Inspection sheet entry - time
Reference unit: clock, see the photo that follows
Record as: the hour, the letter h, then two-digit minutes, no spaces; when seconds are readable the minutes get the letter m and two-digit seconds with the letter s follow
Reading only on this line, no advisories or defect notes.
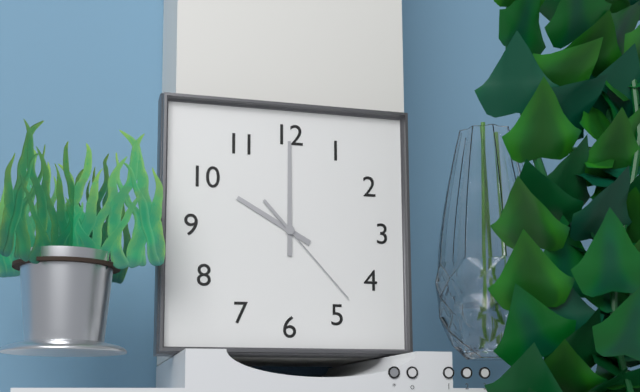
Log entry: 10h00m23s
